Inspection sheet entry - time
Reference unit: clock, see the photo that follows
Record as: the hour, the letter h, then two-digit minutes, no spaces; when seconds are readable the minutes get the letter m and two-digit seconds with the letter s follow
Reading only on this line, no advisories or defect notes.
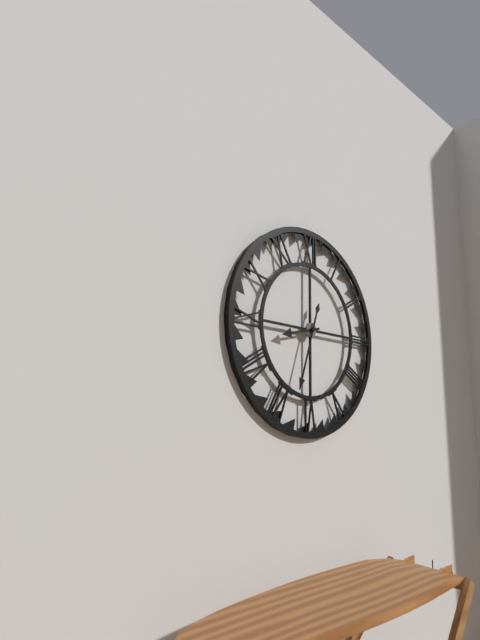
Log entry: 8h33
